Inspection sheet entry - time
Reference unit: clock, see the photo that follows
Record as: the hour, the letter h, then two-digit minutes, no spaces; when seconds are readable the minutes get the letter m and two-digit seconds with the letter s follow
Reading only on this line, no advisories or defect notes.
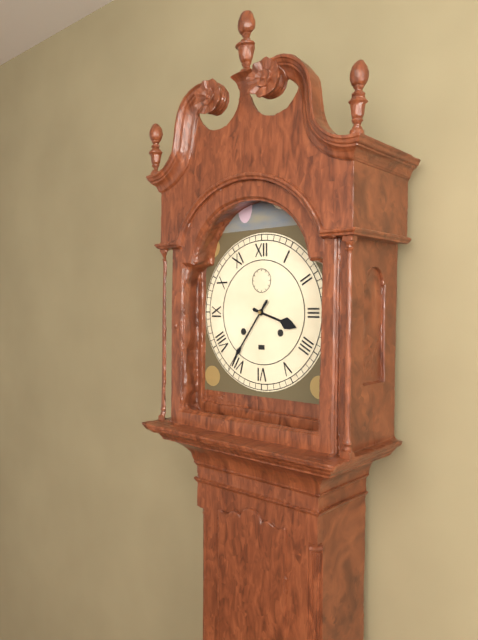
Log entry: 3h36
